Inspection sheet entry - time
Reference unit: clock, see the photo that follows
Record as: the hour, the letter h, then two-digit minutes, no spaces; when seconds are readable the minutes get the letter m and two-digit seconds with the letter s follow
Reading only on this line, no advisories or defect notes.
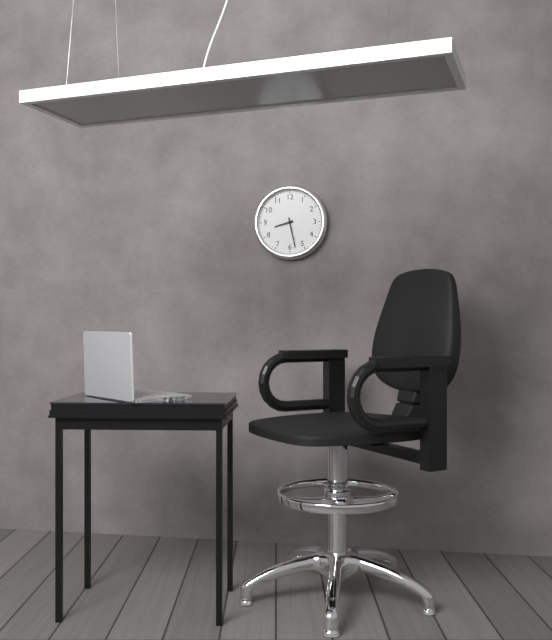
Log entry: 8h28
